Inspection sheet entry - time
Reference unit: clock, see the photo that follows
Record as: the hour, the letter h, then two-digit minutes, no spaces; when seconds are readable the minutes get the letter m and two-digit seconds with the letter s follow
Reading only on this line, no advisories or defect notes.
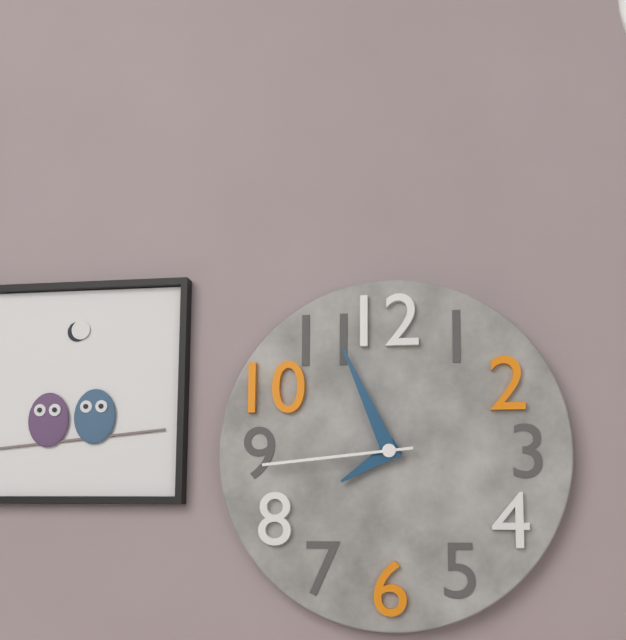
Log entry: 7h56m44s
